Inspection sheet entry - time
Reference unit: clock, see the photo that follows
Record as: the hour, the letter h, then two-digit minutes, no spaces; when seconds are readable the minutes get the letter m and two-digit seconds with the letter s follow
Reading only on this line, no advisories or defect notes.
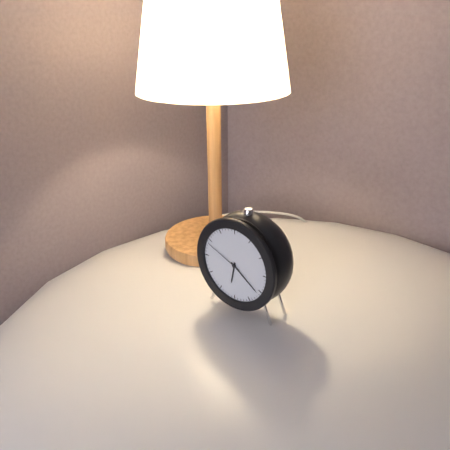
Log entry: 6h21
